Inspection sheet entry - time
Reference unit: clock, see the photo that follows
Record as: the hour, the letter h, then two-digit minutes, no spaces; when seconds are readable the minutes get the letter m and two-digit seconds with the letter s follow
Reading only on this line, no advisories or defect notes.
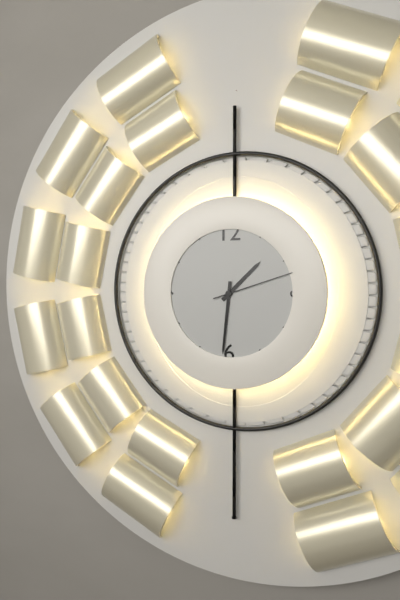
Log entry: 1h31m12s
